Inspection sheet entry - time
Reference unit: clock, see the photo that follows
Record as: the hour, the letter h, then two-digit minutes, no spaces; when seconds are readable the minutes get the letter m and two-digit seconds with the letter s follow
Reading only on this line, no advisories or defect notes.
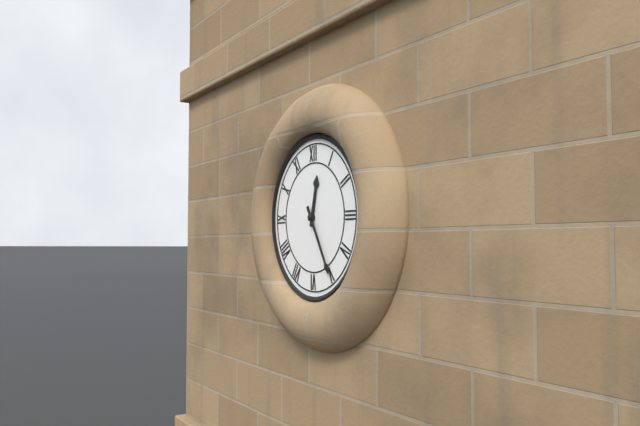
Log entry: 12h25
